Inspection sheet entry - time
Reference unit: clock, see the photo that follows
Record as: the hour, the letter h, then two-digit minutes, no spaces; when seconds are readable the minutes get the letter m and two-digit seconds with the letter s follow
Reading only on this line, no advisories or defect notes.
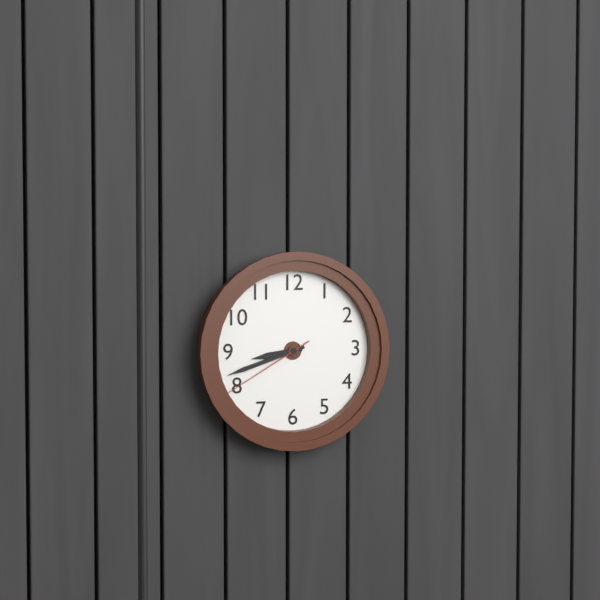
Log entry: 8h42m40s
